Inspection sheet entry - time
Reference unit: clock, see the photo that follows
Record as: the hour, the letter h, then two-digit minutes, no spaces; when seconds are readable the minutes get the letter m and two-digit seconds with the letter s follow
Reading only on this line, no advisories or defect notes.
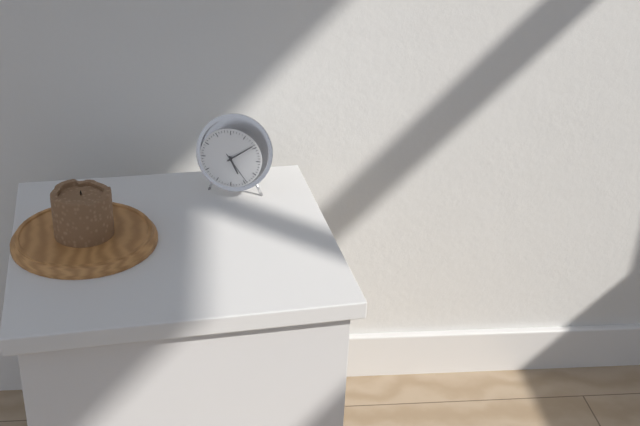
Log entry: 5h09
